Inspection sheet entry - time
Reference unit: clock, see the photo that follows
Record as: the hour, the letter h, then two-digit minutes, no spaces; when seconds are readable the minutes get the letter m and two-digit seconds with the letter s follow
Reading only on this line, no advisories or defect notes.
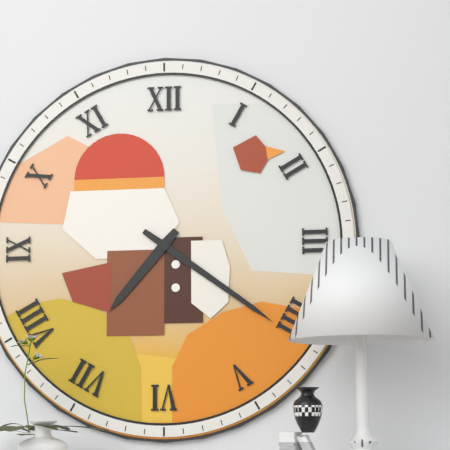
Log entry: 7h21
